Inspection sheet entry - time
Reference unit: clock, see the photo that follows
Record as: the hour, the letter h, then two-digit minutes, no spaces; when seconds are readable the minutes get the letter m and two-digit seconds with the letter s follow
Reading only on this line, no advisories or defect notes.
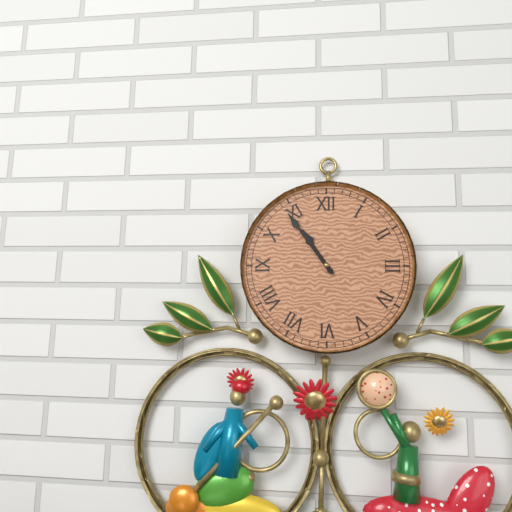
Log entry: 10h54
